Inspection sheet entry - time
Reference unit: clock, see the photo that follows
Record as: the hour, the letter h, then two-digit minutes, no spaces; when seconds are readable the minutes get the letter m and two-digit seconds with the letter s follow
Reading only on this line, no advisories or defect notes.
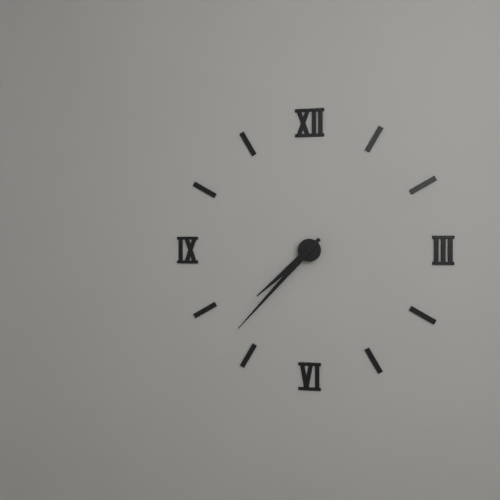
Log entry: 7h37
